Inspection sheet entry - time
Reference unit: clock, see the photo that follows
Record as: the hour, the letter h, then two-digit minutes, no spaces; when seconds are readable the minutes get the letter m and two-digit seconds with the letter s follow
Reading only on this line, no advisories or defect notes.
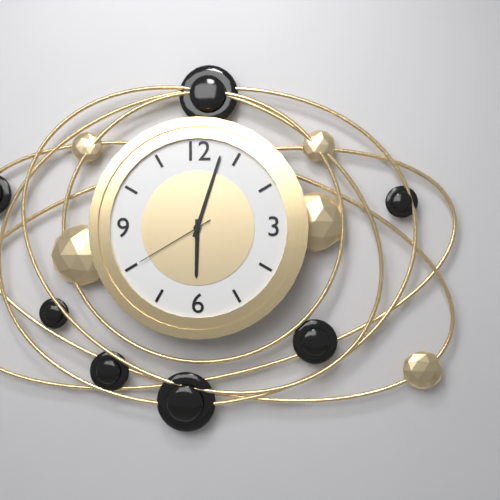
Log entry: 6h03m40s
